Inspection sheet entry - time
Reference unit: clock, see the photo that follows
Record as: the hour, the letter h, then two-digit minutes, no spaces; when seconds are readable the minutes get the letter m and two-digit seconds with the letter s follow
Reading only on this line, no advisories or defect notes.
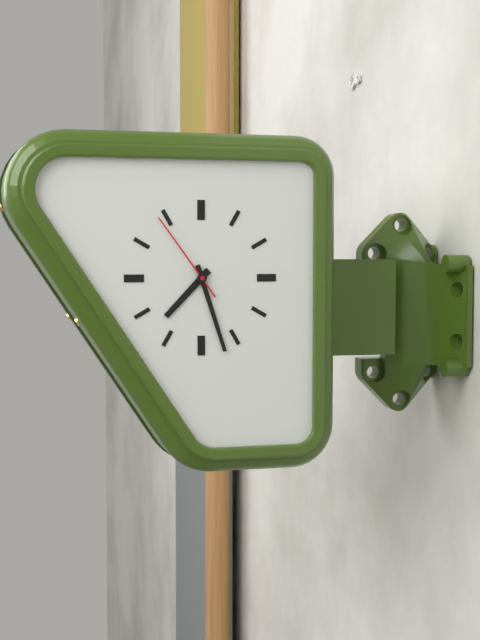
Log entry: 7h27m54s
